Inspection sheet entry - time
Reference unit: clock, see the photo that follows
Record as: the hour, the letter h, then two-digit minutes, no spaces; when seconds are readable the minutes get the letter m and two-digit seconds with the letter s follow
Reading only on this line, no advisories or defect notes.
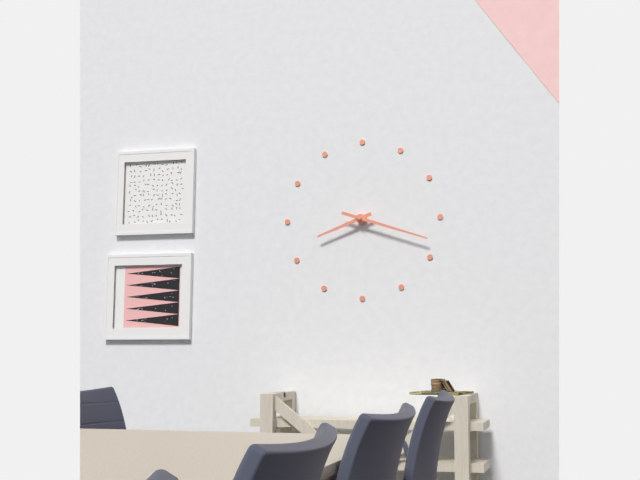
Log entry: 8h18
